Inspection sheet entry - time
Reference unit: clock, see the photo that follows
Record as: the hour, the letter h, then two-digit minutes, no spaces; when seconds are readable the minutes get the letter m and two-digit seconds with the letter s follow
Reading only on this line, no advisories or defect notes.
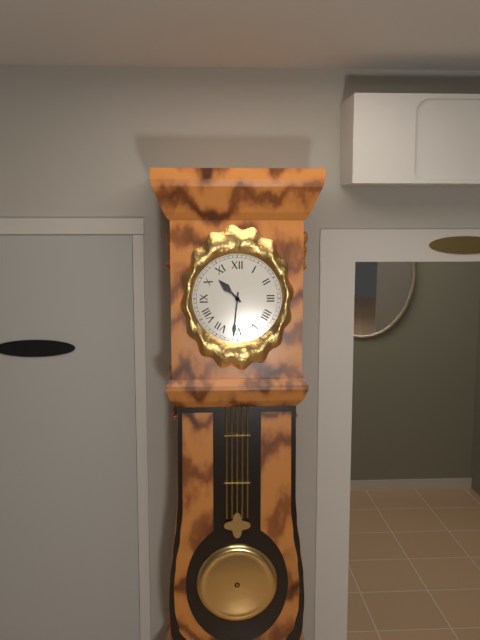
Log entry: 10h31
